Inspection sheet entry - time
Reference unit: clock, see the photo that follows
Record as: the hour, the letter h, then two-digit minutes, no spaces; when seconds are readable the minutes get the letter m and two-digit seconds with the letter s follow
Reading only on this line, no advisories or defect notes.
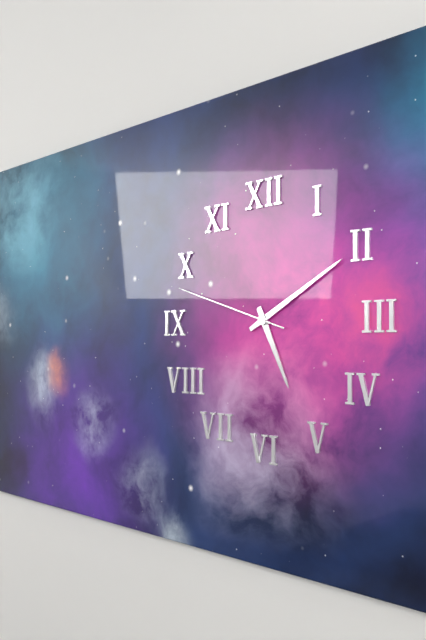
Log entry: 5h10m48s
